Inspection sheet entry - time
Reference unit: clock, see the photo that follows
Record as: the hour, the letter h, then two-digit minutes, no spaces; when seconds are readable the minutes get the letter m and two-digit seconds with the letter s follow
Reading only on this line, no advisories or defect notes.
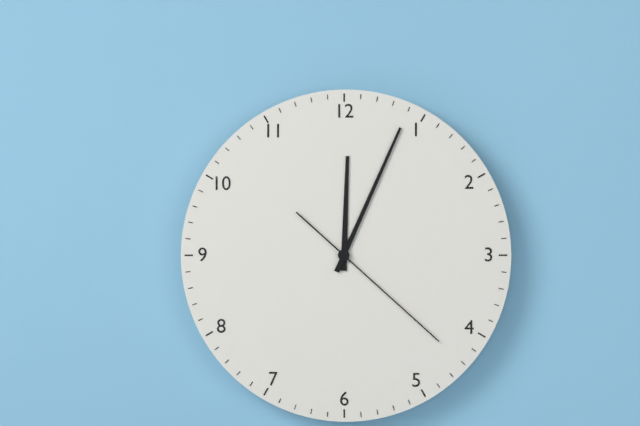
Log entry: 12h04m22s
